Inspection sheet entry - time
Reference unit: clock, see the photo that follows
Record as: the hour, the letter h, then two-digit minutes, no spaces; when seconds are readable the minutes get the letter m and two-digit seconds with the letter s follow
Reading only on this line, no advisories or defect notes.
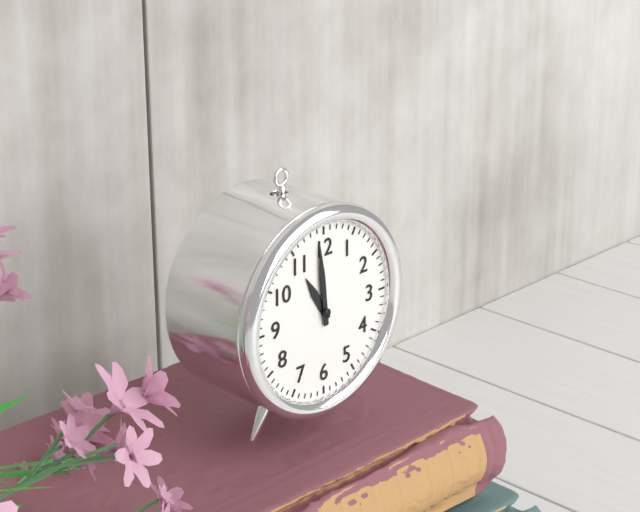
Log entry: 10h59
